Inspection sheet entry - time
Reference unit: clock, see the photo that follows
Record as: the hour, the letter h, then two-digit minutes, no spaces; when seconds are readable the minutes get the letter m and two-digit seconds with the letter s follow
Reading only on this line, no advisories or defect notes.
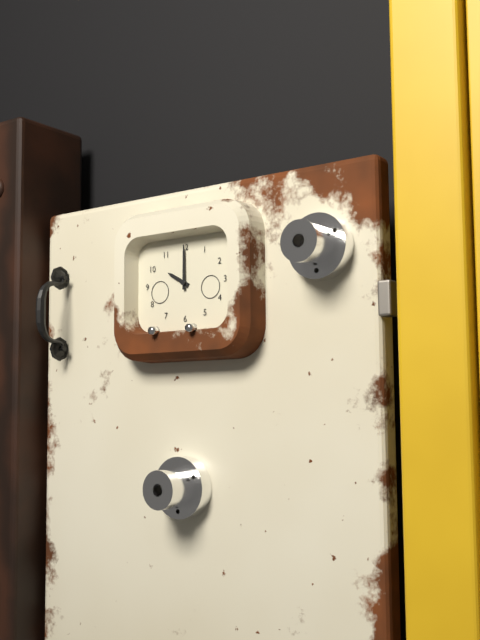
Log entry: 10h00
